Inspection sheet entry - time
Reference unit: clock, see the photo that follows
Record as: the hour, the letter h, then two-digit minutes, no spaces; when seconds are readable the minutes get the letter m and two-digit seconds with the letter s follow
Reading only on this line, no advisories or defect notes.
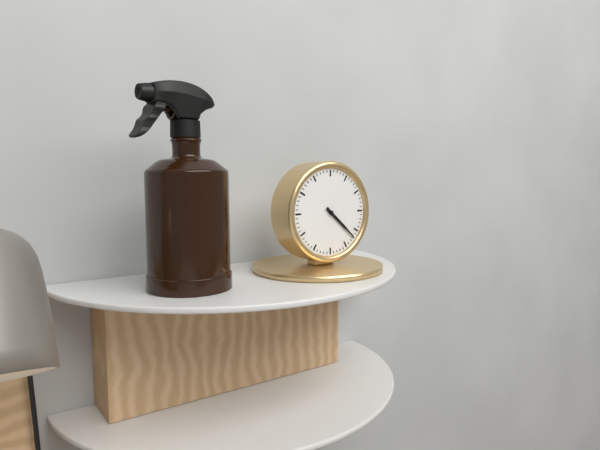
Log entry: 4h22
